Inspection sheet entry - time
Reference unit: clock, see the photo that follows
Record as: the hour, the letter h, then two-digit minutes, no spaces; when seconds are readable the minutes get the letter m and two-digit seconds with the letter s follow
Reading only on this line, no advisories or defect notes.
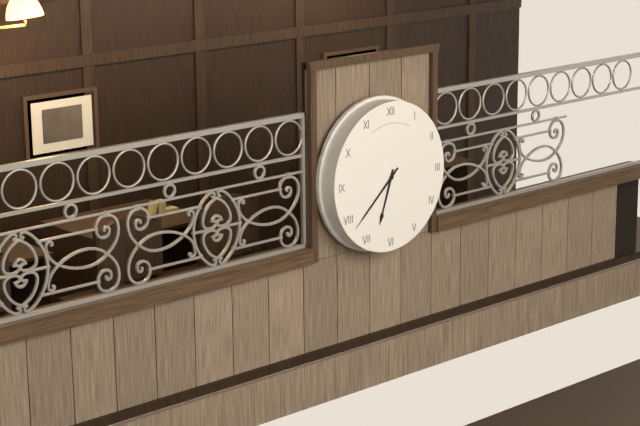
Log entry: 6h38
